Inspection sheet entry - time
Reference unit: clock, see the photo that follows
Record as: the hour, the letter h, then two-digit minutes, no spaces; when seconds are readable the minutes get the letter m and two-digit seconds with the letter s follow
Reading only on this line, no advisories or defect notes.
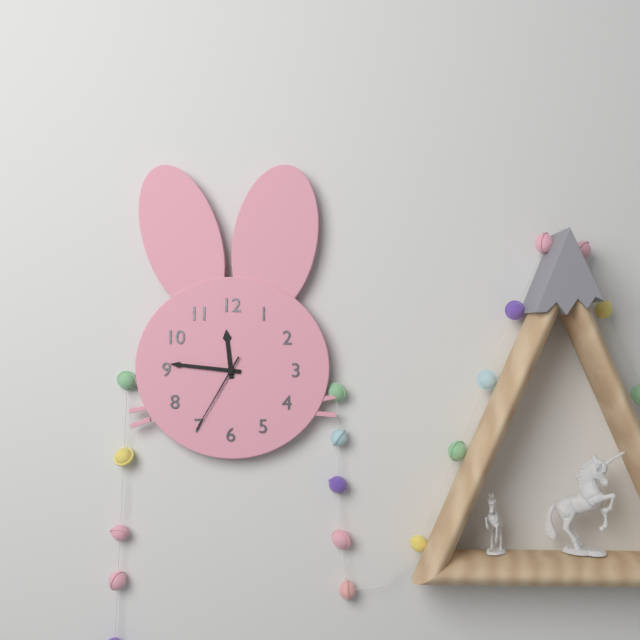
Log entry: 11h46m35s
